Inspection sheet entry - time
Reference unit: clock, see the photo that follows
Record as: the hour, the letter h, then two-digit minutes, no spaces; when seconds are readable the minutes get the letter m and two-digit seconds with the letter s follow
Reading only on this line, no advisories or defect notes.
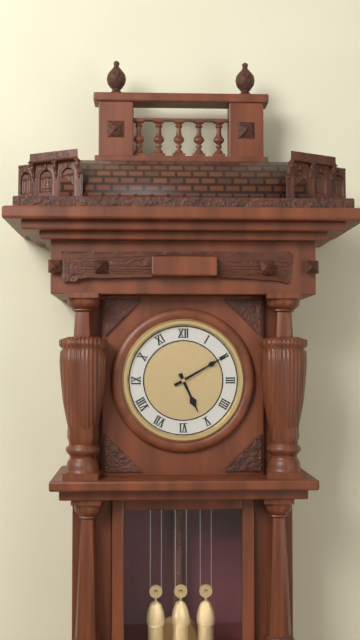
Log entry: 5h10
